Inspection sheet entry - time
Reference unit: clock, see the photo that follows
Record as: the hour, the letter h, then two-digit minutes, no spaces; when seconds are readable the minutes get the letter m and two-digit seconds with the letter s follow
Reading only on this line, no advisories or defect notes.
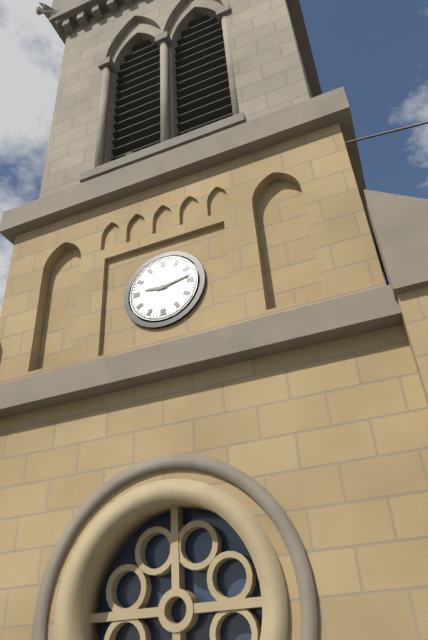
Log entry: 9h13
